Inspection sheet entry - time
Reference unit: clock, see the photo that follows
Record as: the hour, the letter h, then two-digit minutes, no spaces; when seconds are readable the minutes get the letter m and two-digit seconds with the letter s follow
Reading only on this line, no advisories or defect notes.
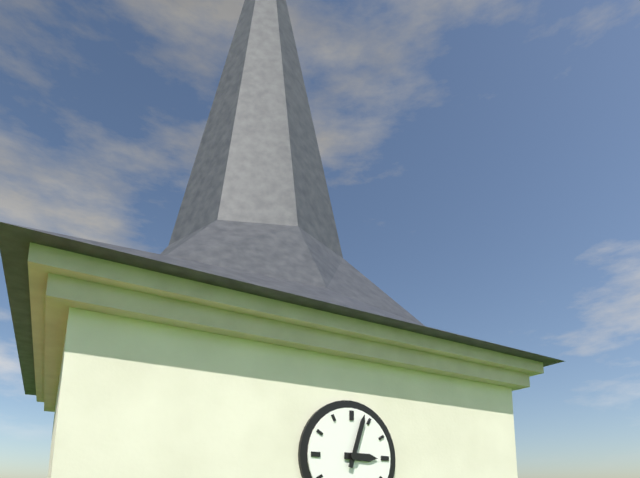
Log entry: 3h03
